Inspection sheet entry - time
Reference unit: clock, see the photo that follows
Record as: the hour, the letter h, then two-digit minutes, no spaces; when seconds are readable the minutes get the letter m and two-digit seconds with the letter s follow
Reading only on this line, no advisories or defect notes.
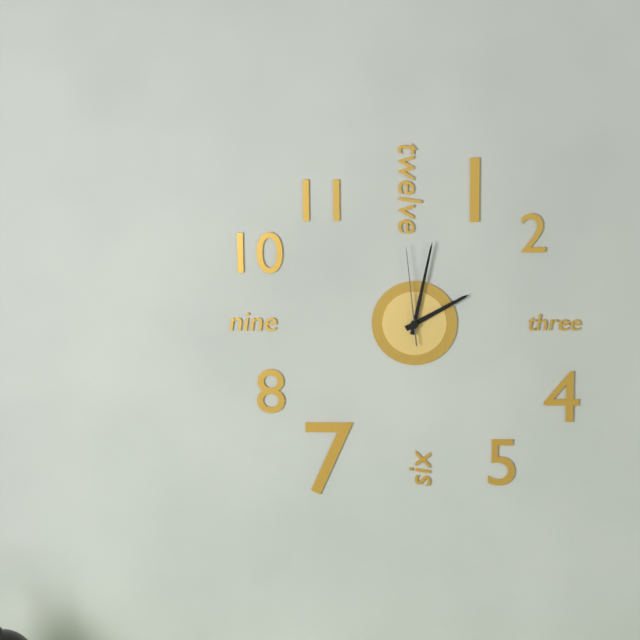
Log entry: 2h02m59s
